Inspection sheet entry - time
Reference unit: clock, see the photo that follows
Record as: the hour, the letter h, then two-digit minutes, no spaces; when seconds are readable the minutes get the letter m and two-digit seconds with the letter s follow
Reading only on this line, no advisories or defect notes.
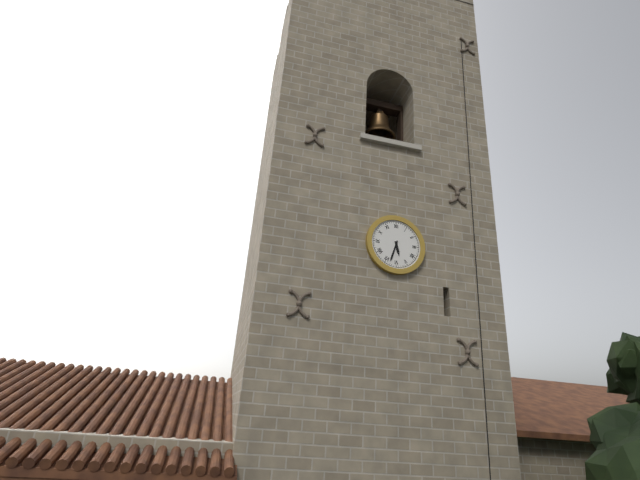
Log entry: 5h33
